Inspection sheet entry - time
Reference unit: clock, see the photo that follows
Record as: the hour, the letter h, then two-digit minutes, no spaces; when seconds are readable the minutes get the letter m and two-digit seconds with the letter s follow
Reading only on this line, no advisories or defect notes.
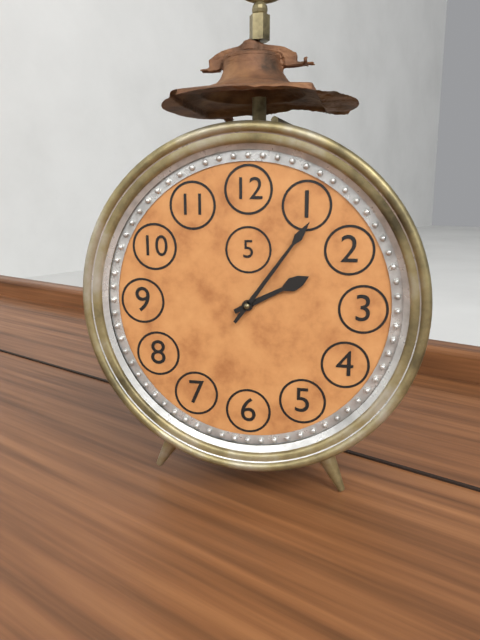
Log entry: 2h06
